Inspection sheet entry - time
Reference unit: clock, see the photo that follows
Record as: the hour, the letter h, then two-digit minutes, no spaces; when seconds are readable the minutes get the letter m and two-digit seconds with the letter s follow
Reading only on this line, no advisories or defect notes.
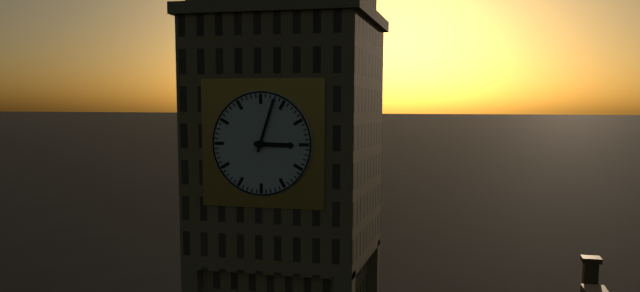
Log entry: 3h03
